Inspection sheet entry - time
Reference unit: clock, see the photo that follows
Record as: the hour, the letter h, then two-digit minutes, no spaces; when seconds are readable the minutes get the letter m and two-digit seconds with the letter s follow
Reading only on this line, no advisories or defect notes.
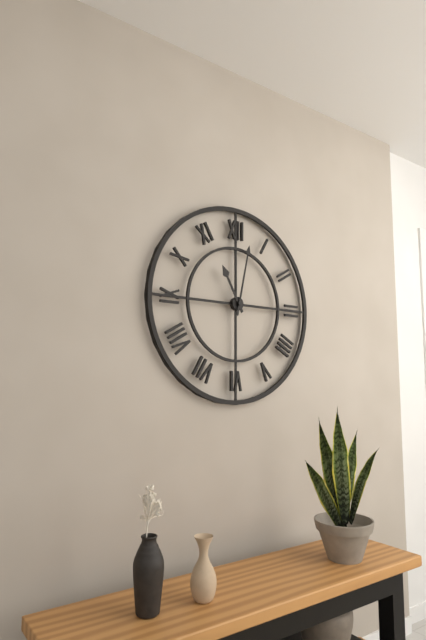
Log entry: 11h02
